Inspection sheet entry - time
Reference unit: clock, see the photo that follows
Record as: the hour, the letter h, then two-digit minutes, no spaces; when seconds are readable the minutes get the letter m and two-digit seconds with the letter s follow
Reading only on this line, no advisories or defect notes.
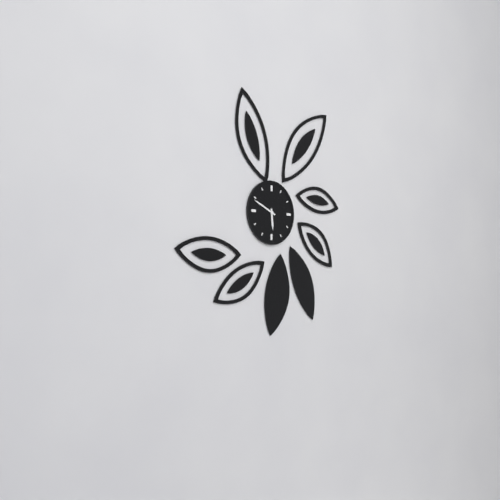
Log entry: 5h49
